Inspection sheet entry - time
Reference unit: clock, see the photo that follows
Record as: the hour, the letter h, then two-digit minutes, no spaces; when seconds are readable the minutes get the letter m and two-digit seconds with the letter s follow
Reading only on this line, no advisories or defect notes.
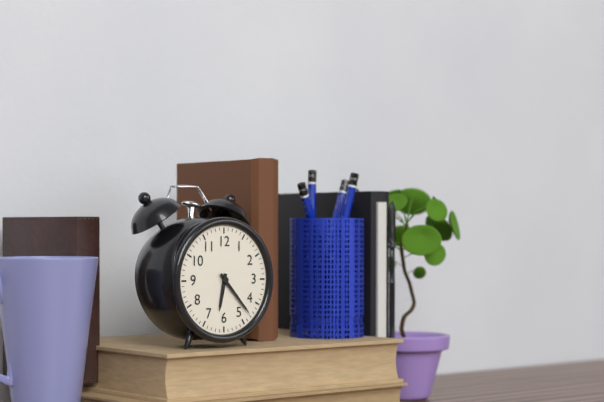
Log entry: 6h23
